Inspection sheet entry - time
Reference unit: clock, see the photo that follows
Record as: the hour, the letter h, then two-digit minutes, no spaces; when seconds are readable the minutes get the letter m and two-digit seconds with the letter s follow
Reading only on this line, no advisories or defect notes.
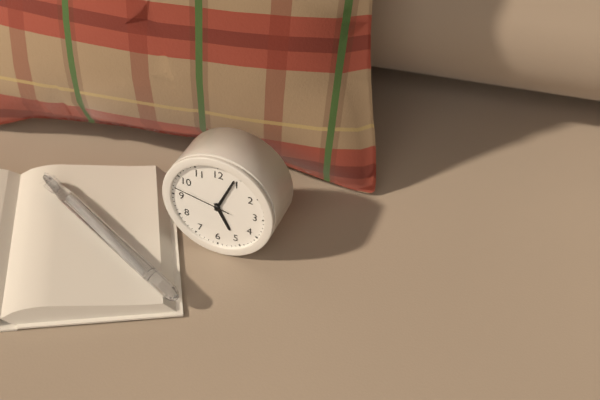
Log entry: 5h04m47s
